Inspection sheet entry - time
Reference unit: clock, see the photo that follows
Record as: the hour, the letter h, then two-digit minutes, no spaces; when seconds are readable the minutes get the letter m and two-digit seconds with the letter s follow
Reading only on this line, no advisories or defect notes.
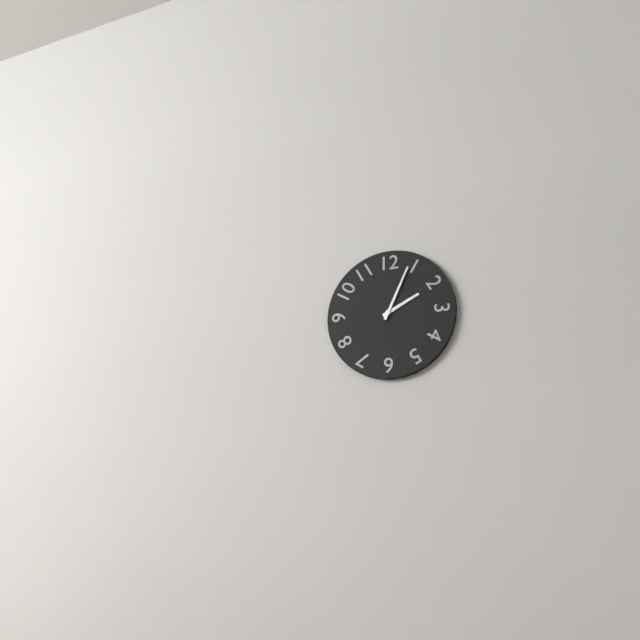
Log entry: 2h04
